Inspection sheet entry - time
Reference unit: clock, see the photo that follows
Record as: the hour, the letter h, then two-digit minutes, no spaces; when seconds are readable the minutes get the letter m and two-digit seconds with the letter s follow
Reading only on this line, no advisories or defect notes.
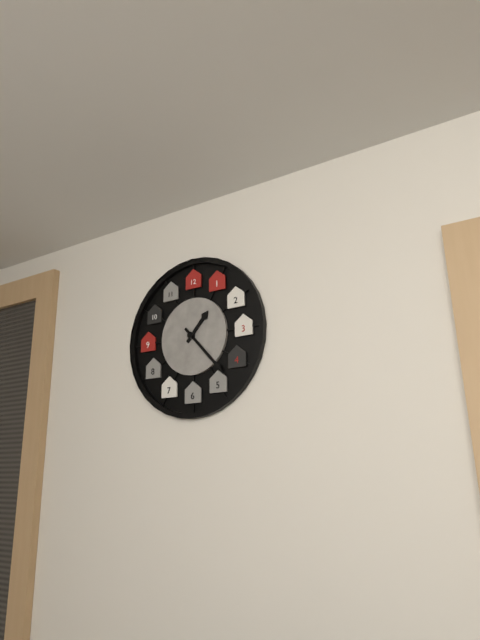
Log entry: 1h23
